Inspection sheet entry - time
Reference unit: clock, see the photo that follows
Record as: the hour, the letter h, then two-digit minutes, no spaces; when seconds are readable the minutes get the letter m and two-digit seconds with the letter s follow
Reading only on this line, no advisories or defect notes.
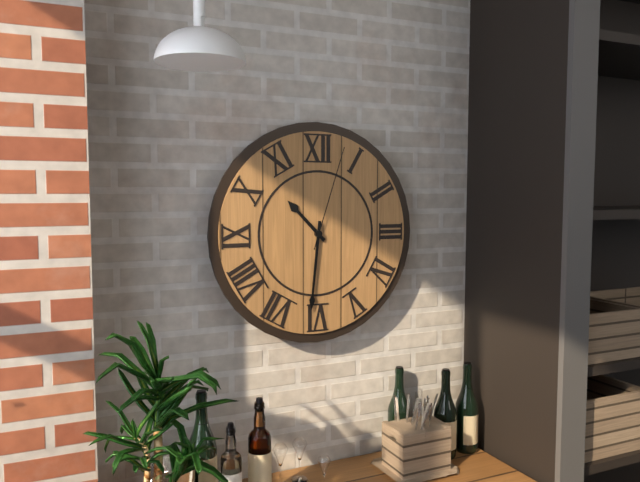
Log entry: 10h31m03s
